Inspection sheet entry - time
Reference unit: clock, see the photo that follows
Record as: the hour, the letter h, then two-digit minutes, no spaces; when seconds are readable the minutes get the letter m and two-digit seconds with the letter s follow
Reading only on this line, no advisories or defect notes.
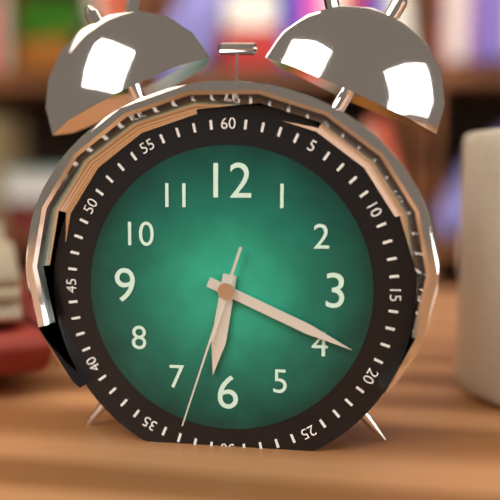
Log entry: 6h19m33s
